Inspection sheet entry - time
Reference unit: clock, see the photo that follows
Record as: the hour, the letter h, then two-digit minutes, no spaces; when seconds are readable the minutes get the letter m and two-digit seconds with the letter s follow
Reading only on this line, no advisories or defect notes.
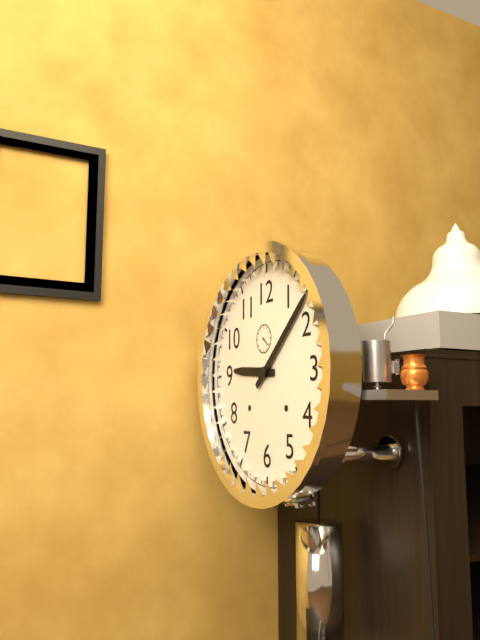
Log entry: 9h08
